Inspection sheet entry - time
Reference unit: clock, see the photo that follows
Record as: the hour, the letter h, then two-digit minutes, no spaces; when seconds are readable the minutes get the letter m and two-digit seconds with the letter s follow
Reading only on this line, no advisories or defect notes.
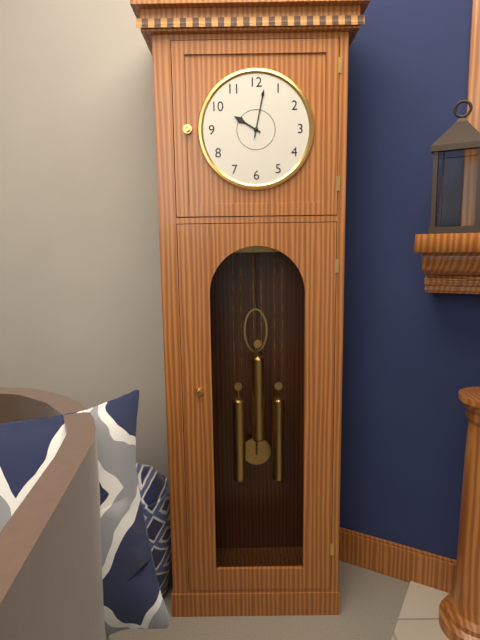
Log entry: 10h02
